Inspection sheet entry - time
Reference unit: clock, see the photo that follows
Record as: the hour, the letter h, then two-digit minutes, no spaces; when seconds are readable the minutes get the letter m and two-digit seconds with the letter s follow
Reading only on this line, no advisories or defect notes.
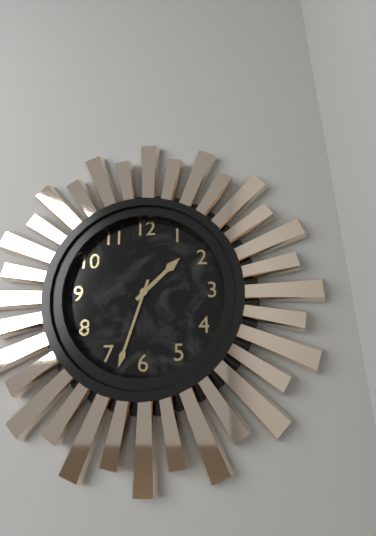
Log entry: 1h33
